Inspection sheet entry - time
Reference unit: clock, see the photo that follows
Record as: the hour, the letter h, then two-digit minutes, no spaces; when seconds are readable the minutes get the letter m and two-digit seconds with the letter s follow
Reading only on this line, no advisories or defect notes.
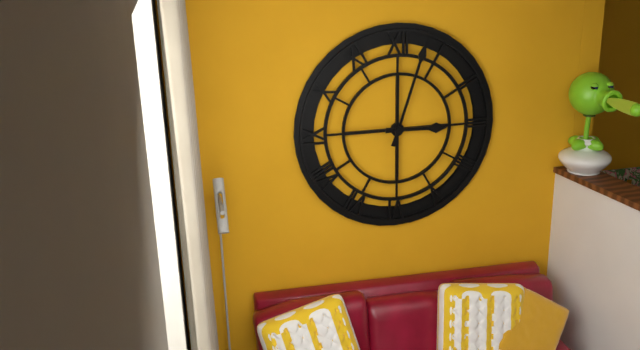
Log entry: 3h03
